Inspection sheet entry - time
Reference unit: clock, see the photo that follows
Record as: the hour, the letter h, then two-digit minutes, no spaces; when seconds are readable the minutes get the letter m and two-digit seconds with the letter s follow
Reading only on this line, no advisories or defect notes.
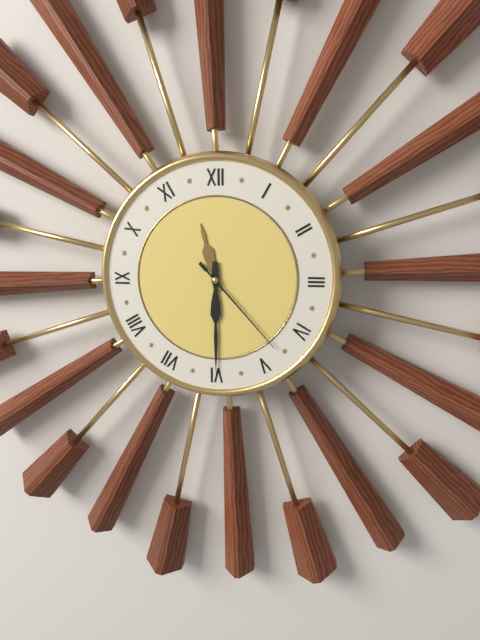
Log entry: 11h30m23s
